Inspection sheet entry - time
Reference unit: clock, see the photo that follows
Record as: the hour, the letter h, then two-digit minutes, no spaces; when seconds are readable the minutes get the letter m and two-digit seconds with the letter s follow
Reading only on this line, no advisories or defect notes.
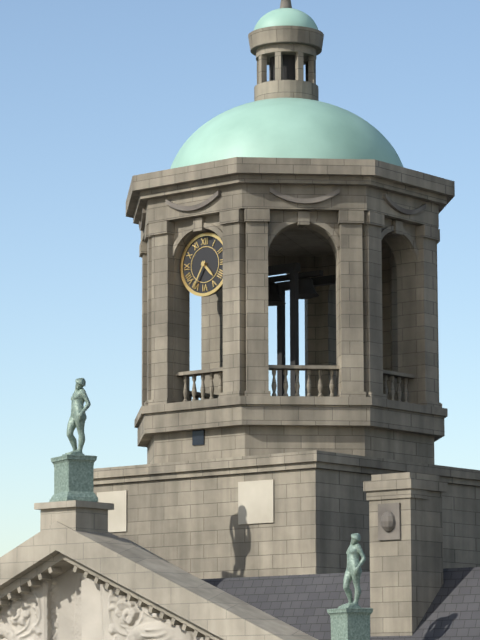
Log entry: 4h35
